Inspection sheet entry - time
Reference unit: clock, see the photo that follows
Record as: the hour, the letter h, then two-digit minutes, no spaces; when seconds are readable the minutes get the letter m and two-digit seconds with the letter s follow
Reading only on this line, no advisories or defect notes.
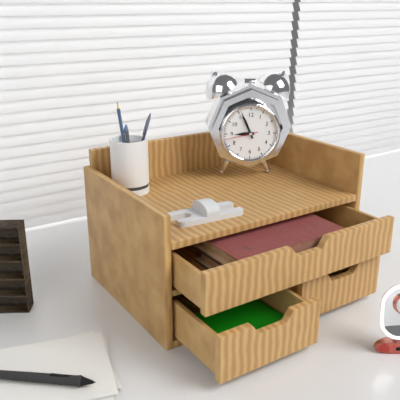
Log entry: 8h56
